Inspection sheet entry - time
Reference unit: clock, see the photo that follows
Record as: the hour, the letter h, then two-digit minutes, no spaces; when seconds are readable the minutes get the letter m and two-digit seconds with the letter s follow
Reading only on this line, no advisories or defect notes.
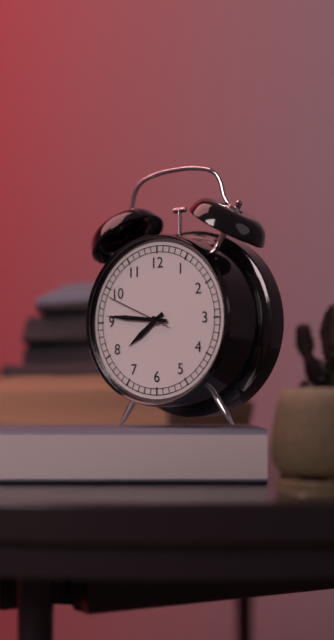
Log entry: 7h46m49s
